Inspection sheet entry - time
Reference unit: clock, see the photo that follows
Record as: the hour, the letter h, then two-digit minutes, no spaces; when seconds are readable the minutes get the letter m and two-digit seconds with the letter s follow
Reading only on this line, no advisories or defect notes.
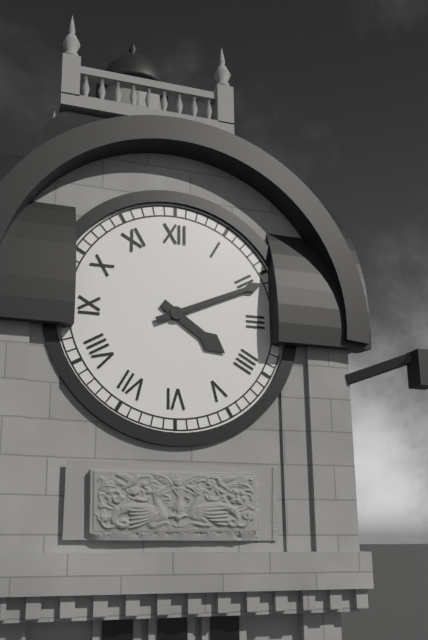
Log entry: 4h11
